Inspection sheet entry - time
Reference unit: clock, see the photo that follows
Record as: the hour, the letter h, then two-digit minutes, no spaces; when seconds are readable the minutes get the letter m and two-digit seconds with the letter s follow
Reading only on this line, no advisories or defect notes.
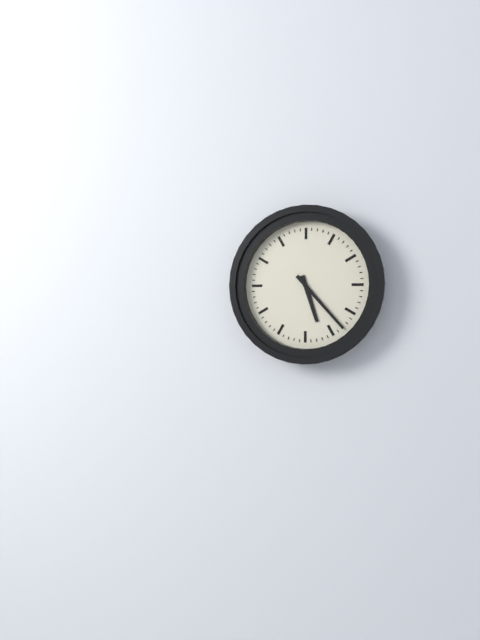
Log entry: 5h23
